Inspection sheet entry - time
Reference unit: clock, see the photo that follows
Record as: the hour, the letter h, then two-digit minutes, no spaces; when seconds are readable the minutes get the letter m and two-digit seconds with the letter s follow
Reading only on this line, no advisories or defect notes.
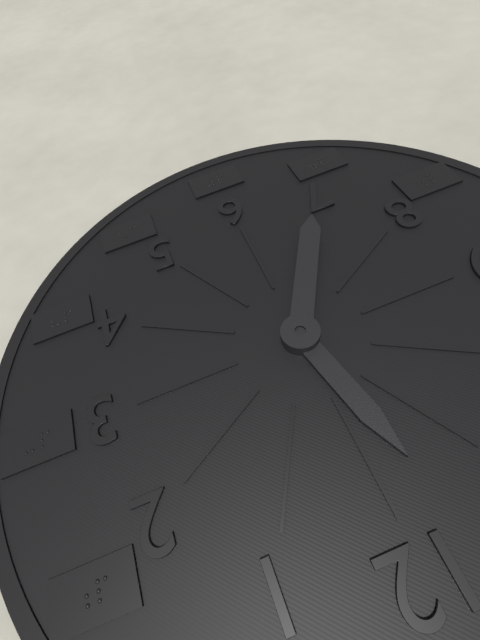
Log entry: 11h35
